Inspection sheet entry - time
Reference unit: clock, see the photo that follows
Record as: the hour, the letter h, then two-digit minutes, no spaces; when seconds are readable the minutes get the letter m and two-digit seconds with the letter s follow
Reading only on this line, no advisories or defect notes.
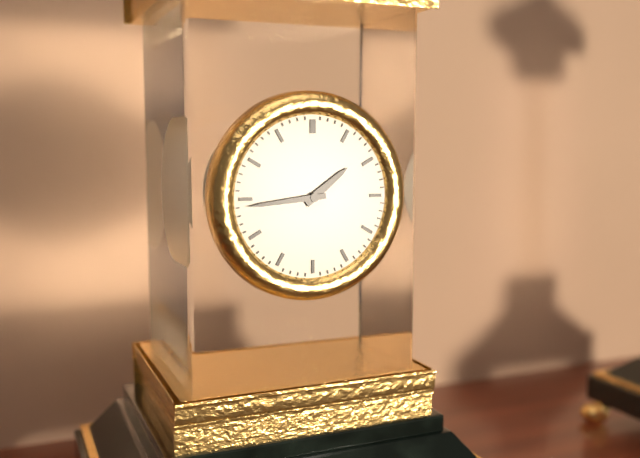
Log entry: 1h44
